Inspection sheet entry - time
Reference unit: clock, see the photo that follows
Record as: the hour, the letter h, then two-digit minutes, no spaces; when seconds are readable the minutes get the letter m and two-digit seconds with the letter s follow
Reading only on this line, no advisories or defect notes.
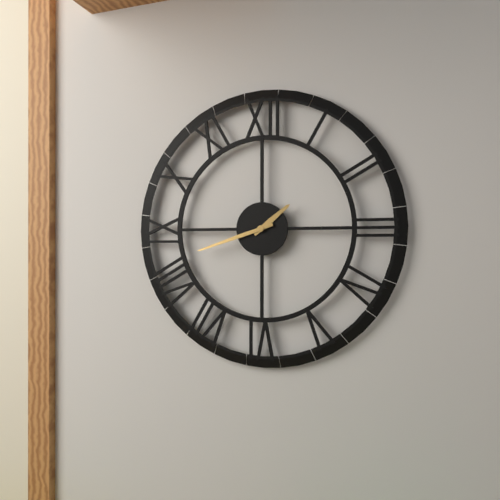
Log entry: 1h42
